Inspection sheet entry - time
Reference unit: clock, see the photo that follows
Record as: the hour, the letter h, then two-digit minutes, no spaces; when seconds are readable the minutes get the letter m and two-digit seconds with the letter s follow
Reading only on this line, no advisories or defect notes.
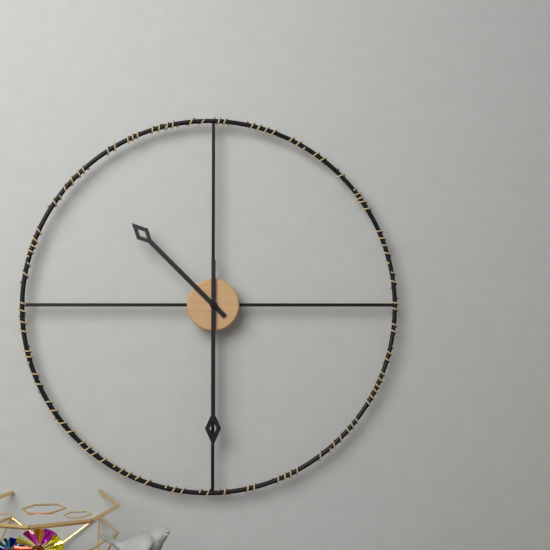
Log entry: 10h30
